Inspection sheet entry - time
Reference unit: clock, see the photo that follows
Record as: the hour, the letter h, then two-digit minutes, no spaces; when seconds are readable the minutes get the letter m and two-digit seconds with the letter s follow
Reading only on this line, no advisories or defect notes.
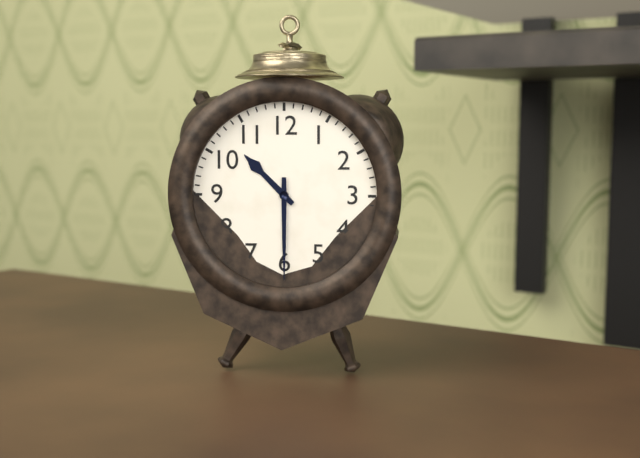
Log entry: 10h30
